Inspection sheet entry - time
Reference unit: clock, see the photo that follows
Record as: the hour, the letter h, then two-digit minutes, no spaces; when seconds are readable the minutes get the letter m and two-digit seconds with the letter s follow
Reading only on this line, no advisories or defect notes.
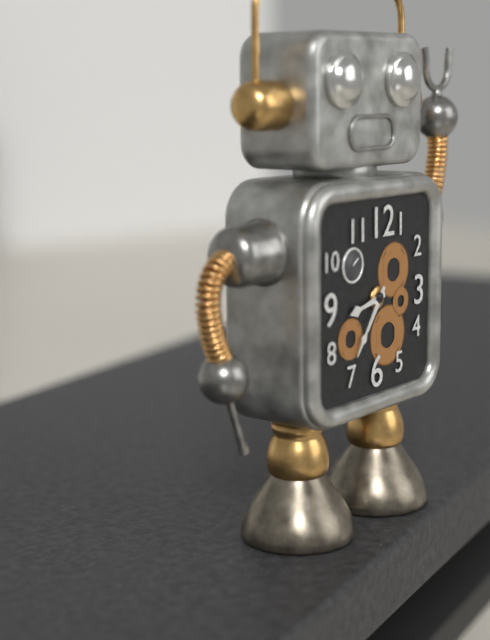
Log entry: 8h36
